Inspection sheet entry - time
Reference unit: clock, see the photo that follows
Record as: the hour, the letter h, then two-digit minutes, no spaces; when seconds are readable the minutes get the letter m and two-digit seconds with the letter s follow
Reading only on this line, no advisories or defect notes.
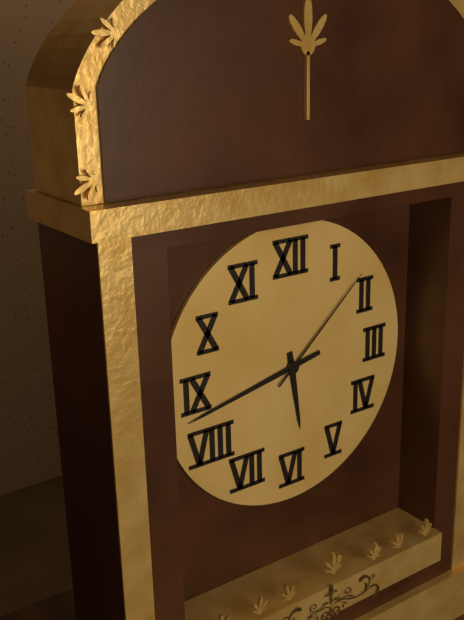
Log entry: 5h43m08s
